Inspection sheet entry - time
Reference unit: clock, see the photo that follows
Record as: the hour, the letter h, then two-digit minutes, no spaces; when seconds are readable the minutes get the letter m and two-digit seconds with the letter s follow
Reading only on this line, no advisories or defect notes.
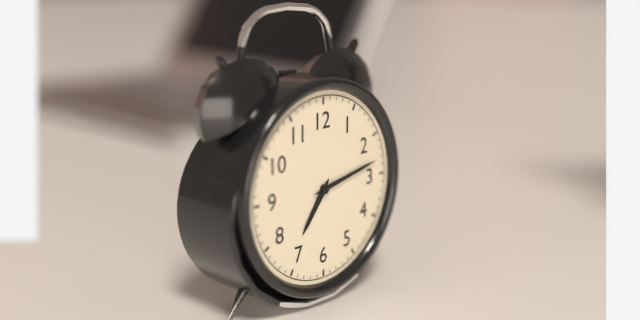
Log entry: 7h13
